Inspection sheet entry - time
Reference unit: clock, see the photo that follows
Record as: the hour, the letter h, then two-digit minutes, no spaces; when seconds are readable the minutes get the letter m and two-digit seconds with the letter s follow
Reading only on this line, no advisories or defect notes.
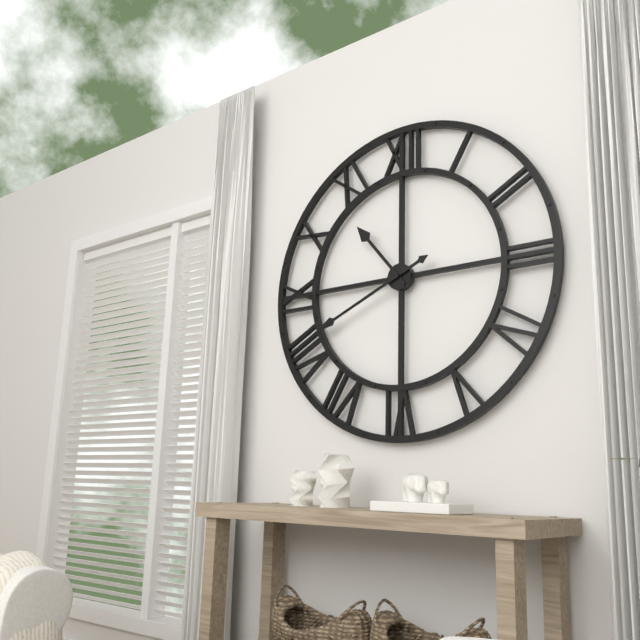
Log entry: 10h41
